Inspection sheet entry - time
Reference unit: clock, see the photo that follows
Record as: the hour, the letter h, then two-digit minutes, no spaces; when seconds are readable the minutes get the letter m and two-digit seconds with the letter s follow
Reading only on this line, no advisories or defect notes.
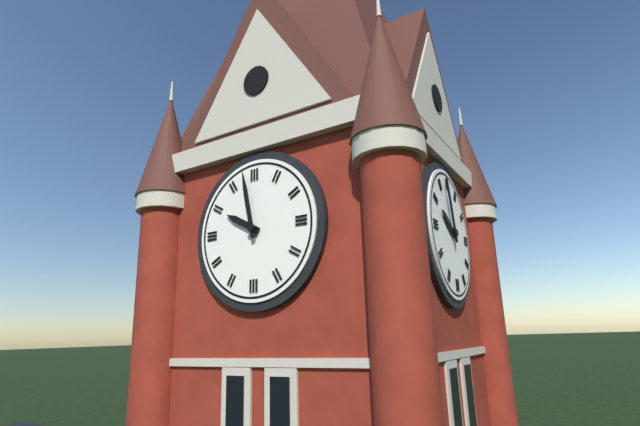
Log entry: 9h58
